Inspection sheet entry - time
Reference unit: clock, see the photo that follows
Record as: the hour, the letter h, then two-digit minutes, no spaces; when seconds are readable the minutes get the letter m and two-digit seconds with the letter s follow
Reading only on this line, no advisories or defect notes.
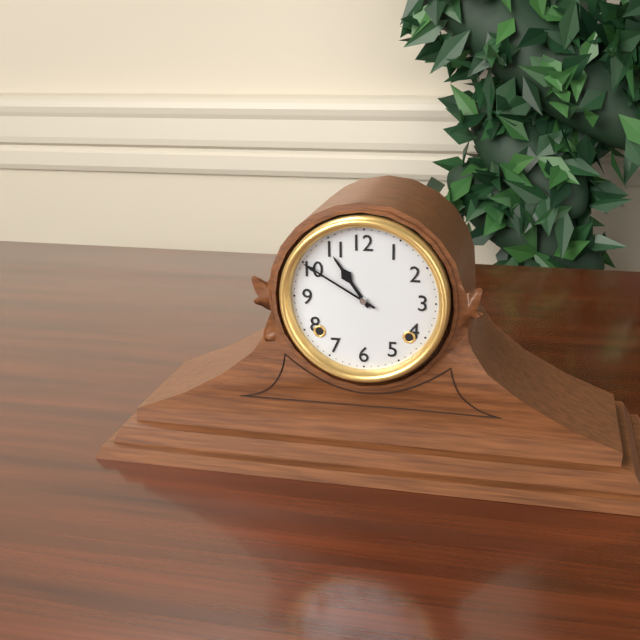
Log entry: 10h50
